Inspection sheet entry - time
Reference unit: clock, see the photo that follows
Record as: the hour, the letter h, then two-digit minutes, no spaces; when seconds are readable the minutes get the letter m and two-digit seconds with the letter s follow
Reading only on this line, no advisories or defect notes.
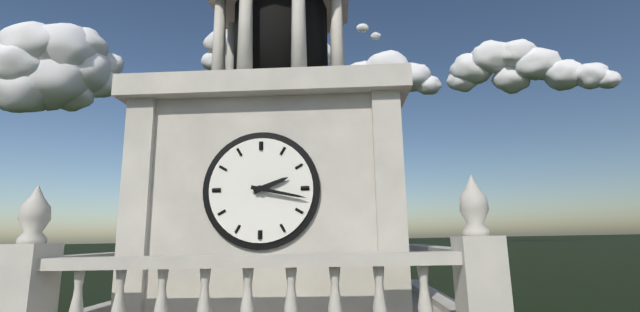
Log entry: 2h17
